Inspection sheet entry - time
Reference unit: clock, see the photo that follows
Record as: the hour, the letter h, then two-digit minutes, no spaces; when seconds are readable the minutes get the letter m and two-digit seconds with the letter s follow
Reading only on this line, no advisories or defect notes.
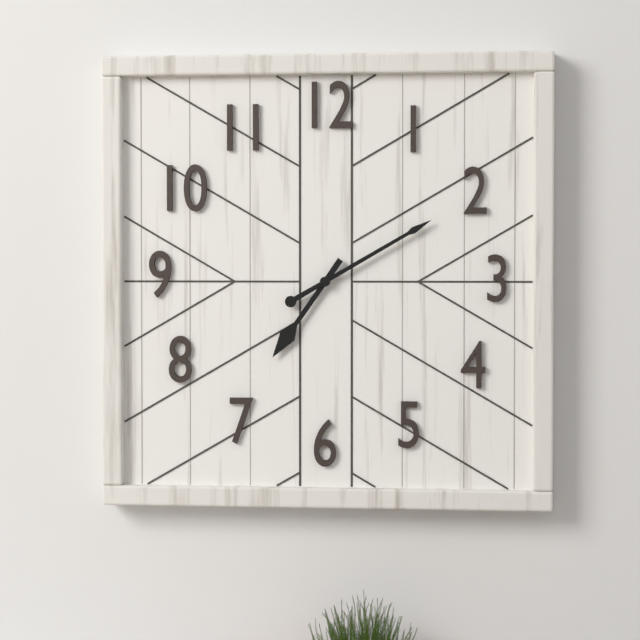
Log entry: 7h10
